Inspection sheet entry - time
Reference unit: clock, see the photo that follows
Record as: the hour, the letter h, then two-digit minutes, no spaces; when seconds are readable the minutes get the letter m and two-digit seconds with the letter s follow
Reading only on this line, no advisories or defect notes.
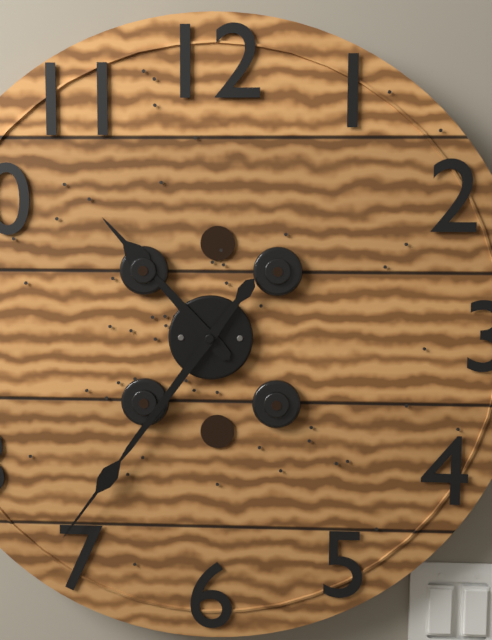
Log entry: 10h36
